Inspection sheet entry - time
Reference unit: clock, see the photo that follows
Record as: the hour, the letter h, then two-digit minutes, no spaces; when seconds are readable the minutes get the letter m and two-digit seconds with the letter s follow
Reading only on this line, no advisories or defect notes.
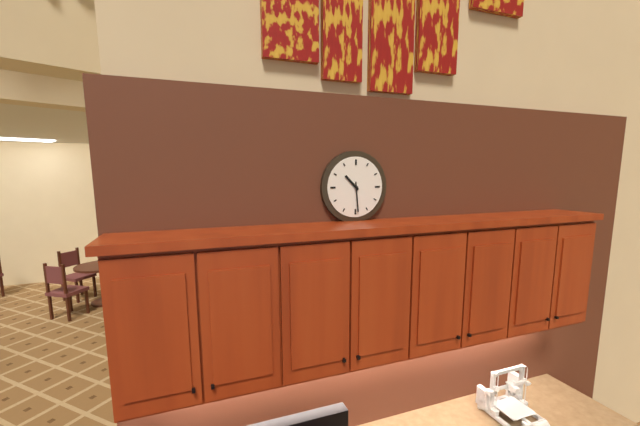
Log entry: 10h29
